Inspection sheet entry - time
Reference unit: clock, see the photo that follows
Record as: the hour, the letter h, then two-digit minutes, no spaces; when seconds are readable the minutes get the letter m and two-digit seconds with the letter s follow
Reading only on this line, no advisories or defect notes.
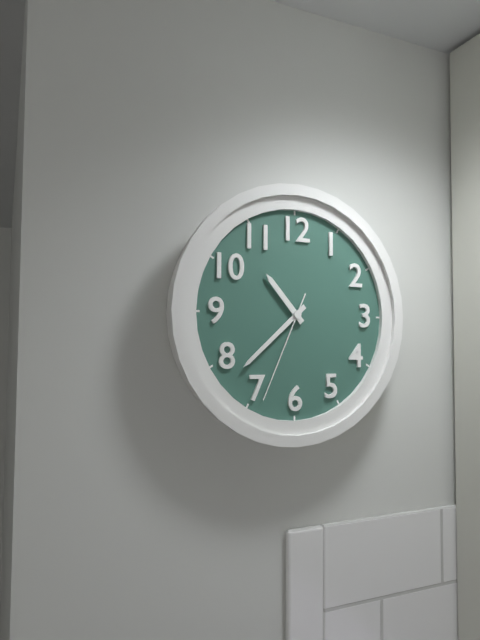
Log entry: 10h38m34s
